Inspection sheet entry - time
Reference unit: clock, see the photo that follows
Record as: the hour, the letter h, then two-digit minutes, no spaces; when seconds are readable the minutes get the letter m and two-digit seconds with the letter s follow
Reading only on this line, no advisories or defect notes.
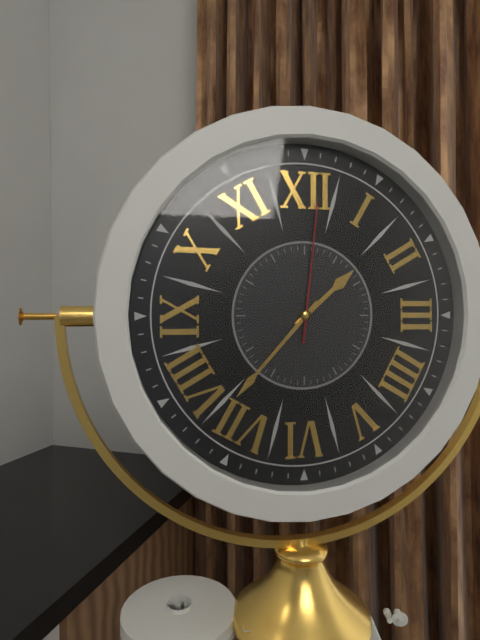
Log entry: 1h37m01s
